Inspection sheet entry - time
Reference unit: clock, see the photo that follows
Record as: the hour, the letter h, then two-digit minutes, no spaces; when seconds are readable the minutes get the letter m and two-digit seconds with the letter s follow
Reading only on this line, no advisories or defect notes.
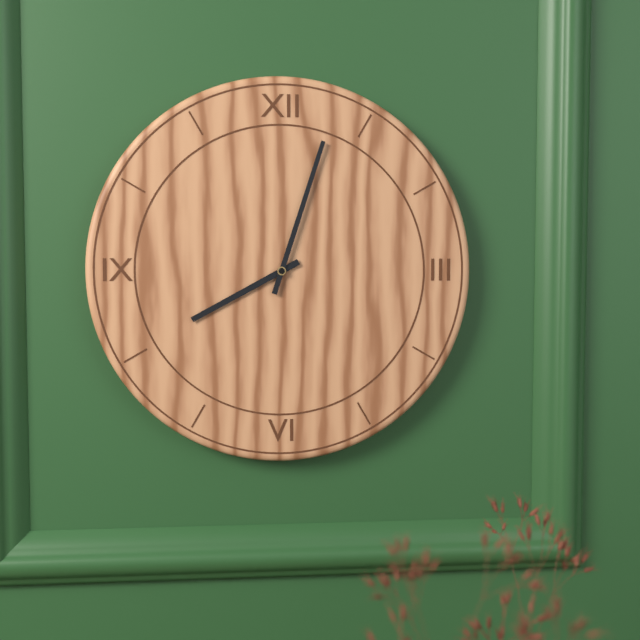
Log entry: 8h03
